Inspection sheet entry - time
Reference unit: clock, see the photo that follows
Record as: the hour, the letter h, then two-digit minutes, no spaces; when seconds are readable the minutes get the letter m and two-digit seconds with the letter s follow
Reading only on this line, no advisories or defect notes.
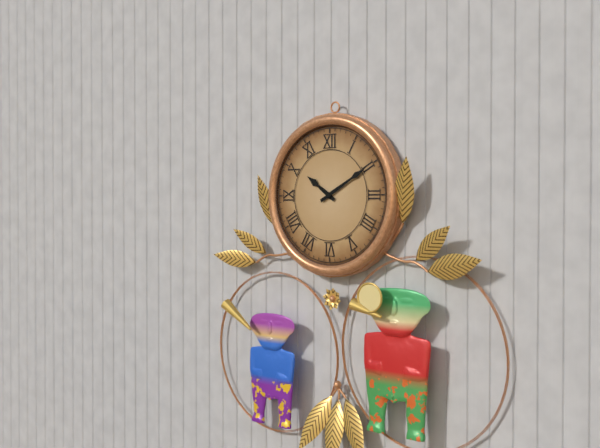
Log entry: 10h10
